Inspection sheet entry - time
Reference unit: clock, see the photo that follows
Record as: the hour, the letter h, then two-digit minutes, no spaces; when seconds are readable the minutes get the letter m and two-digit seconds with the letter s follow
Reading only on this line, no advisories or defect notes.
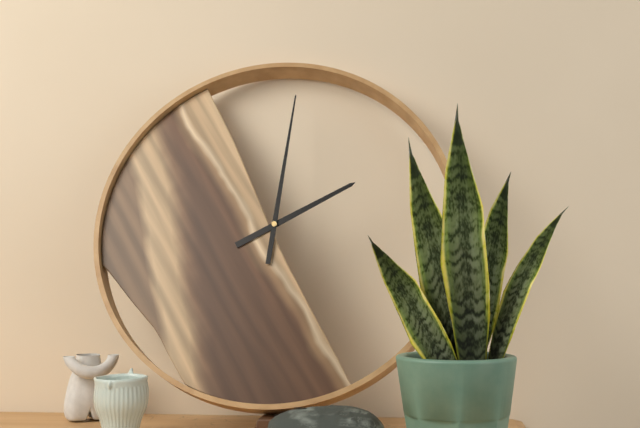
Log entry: 2h01
